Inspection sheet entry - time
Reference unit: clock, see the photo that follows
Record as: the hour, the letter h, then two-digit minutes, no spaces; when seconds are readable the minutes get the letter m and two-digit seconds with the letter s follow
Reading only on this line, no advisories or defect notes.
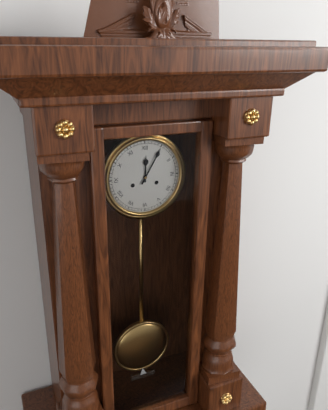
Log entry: 12h05
